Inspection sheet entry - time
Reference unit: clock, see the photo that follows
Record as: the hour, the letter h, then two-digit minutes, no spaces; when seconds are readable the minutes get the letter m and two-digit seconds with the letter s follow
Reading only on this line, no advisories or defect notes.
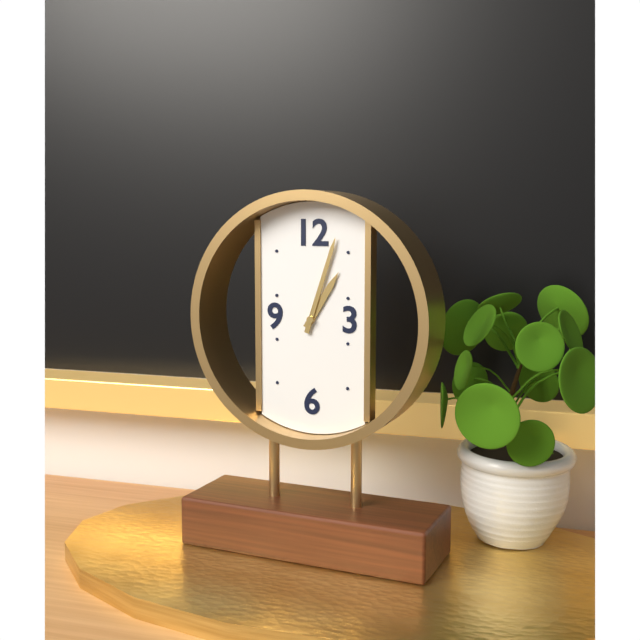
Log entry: 1h03
